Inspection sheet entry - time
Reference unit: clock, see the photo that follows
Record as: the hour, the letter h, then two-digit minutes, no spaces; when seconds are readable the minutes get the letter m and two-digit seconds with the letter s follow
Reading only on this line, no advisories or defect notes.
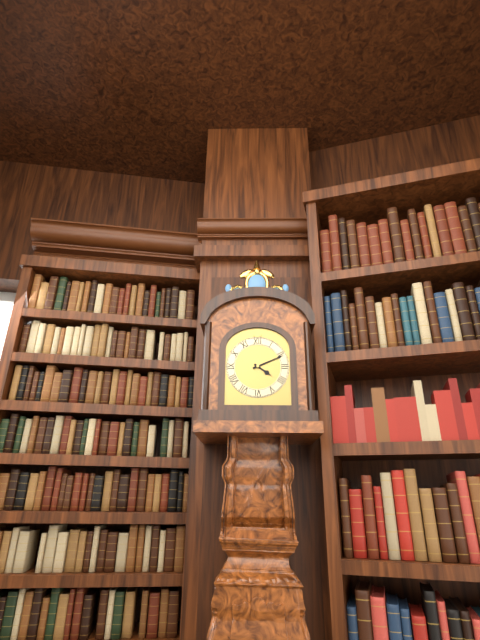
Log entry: 4h11
